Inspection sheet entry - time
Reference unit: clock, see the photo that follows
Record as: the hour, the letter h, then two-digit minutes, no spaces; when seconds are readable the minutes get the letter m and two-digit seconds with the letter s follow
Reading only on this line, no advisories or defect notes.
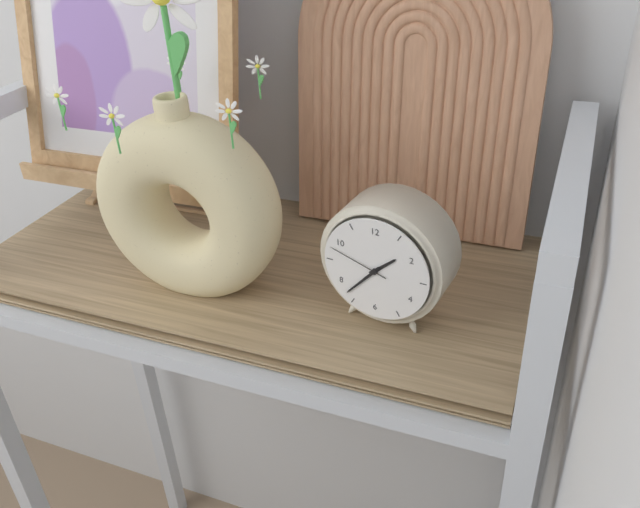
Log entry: 1h37m48s
